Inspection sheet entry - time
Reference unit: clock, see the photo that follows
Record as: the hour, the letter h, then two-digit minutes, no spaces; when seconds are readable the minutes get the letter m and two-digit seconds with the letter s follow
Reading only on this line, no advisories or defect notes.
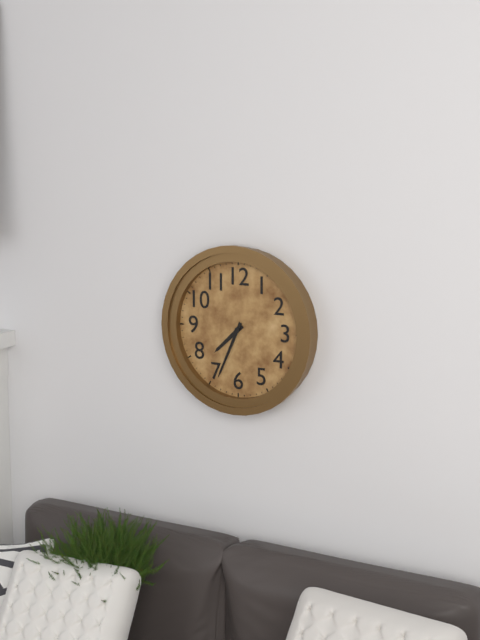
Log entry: 7h34
